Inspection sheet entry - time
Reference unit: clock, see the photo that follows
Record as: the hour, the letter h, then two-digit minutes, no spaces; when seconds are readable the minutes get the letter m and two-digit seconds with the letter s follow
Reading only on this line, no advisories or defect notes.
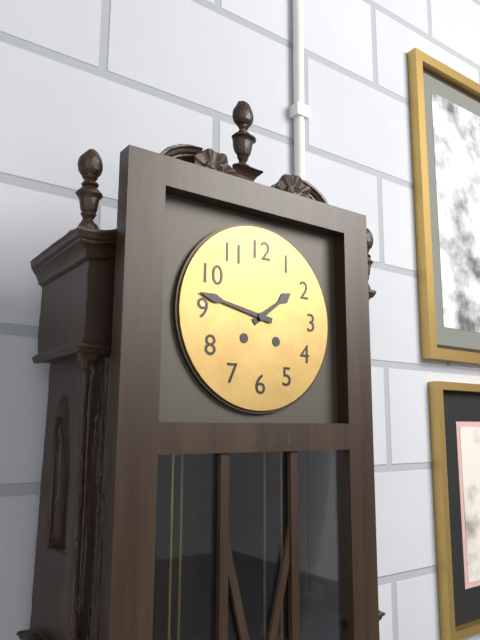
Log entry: 1h47
